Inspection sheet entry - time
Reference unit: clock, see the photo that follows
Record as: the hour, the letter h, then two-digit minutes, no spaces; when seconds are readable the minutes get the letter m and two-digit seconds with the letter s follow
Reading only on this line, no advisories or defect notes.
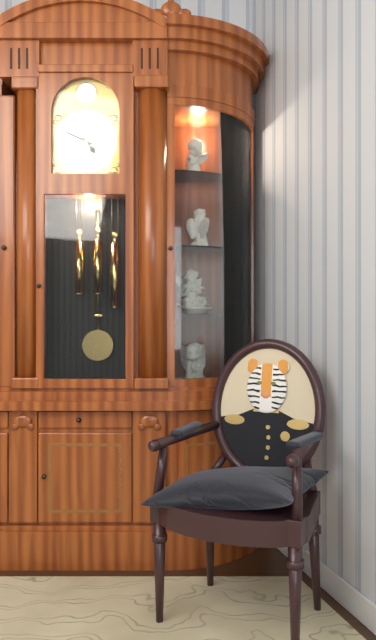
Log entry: 4h49
